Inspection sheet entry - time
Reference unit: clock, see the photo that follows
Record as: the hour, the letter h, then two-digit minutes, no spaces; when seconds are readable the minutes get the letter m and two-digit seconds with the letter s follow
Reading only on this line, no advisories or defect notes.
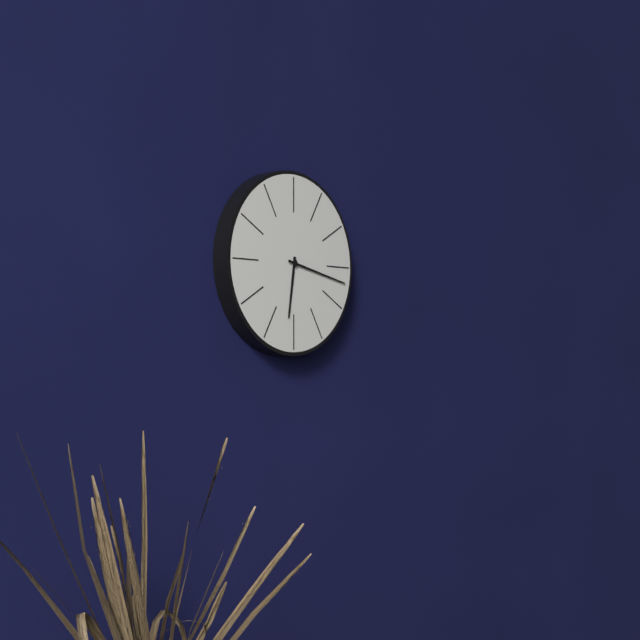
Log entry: 6h17
